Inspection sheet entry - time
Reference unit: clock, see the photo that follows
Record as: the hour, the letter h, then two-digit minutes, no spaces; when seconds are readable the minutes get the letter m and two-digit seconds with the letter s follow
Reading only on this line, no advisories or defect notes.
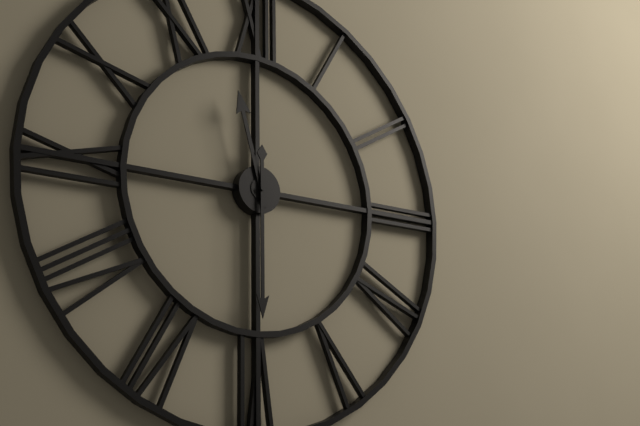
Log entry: 11h30
